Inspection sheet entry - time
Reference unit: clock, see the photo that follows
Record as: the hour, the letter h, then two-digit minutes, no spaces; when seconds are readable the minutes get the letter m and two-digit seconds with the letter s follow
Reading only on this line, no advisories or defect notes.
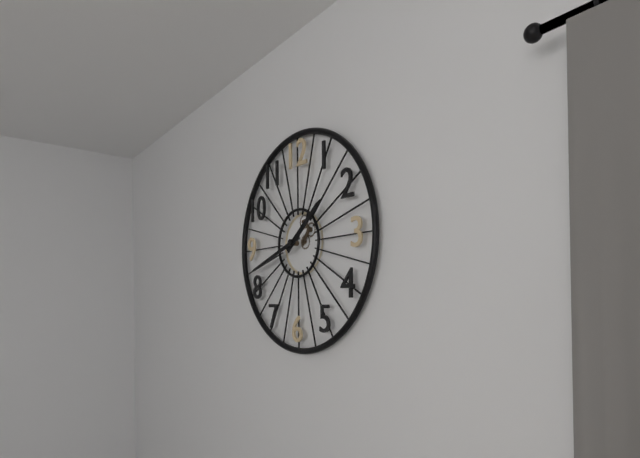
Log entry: 1h42
